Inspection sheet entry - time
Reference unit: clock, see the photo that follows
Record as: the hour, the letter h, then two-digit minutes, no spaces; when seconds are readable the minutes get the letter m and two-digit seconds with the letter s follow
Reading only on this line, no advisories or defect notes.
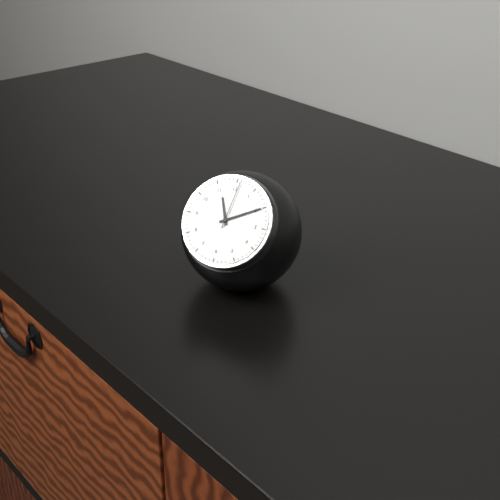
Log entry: 11h10m01s
